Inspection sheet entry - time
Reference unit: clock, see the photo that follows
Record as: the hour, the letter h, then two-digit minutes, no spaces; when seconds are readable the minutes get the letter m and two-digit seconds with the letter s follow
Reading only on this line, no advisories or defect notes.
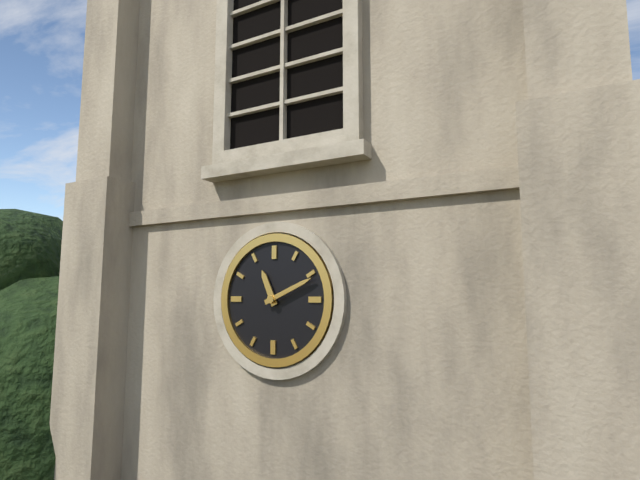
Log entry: 11h11
